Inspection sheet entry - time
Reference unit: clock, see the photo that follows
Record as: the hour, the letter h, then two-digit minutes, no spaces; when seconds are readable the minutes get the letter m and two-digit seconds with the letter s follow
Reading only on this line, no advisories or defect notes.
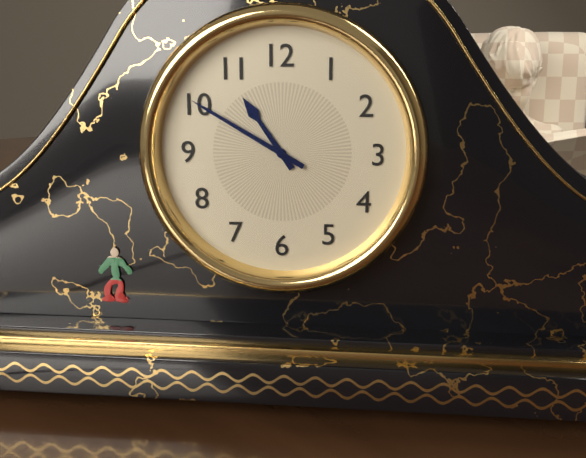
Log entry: 10h50
